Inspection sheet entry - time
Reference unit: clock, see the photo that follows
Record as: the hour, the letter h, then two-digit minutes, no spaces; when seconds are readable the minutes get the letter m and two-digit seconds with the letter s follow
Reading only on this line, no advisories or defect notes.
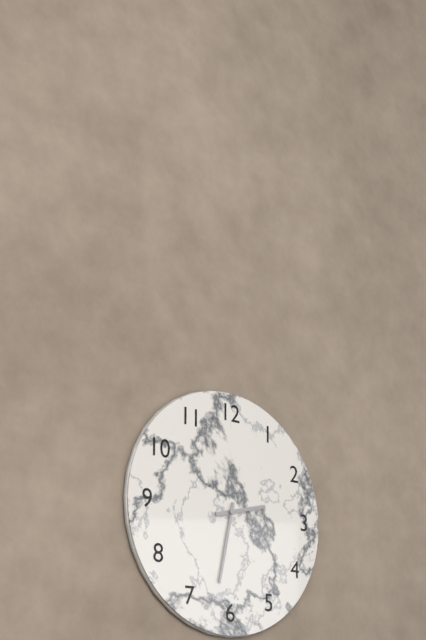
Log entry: 2h32
